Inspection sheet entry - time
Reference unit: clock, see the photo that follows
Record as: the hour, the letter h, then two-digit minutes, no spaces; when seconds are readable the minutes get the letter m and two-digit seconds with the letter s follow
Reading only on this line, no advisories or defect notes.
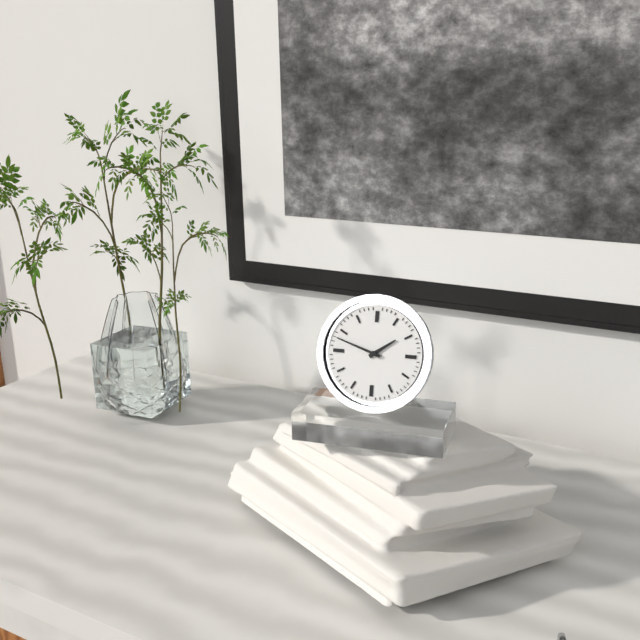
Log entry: 1h48
